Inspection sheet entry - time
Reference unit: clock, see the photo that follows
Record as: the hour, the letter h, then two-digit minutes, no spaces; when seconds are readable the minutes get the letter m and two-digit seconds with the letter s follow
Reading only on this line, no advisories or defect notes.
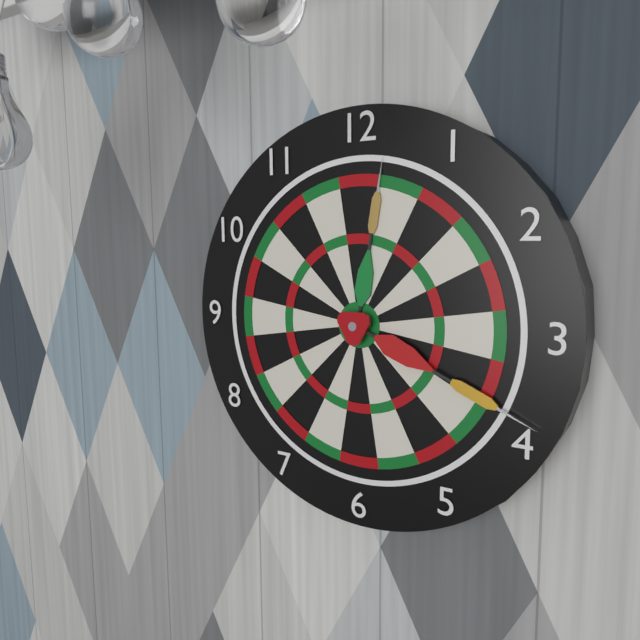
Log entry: 12h19
